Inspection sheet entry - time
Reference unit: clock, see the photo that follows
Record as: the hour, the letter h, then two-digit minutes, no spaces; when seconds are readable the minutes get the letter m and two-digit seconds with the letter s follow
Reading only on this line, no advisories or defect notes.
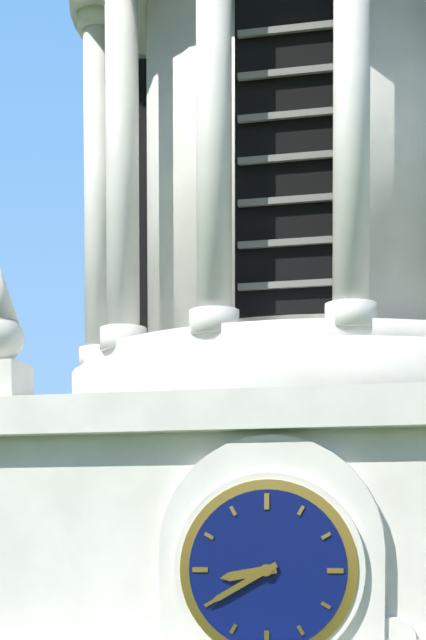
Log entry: 8h40
